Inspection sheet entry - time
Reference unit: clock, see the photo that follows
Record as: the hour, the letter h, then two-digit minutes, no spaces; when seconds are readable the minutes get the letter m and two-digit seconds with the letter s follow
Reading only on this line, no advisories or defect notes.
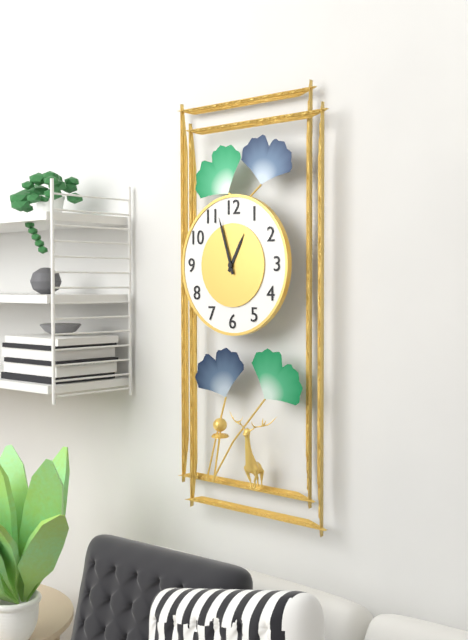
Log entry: 12h57
